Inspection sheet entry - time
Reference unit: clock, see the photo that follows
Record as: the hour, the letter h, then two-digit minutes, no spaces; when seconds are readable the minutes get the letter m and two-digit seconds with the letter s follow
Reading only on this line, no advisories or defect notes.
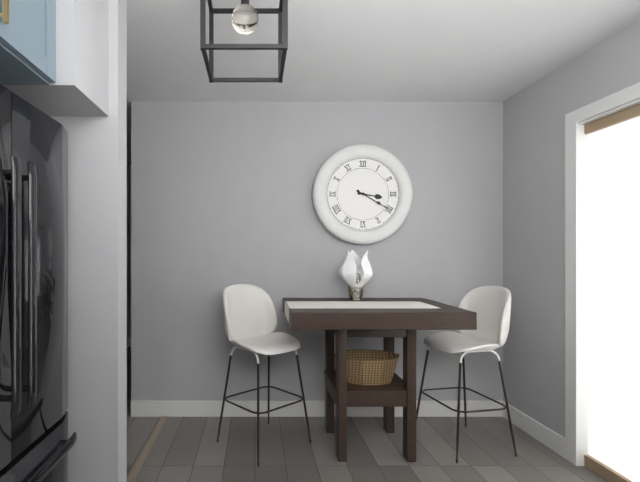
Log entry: 3h20
